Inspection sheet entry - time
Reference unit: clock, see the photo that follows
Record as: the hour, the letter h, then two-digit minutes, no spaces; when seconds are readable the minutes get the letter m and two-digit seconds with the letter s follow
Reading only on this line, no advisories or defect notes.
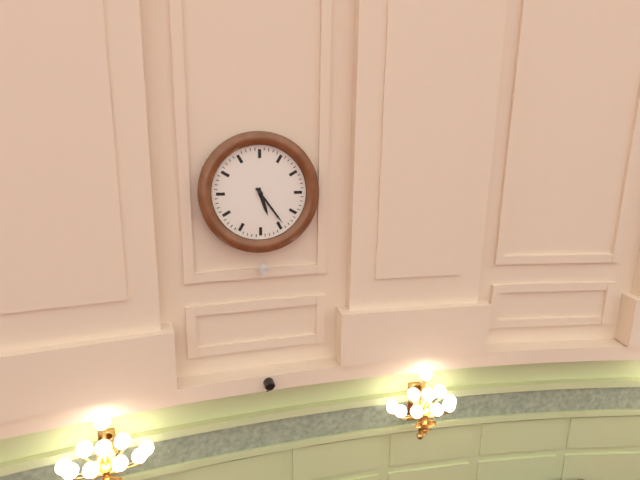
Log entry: 5h24
